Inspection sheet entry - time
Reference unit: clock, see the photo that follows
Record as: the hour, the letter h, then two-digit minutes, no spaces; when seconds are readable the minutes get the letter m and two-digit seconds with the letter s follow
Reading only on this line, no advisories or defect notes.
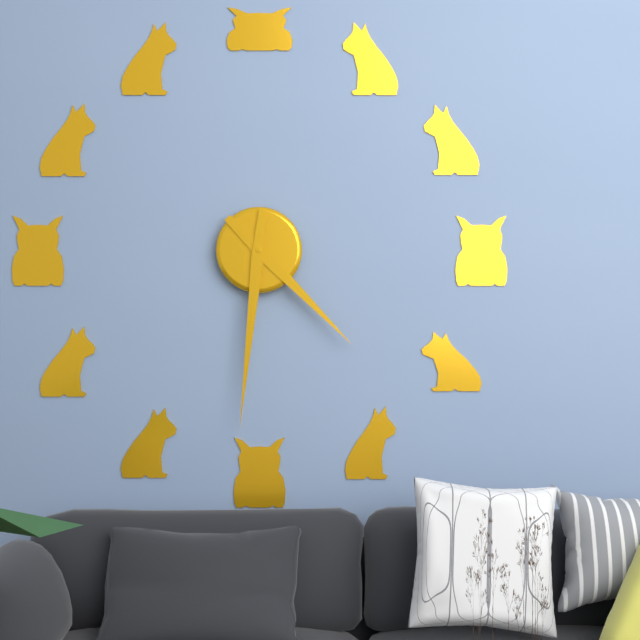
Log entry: 4h31
